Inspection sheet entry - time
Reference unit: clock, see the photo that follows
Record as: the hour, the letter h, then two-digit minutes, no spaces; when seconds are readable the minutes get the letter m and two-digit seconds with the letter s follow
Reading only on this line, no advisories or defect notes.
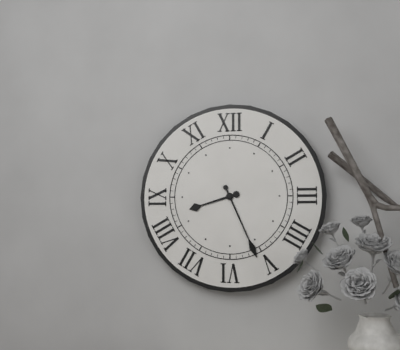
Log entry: 8h26
